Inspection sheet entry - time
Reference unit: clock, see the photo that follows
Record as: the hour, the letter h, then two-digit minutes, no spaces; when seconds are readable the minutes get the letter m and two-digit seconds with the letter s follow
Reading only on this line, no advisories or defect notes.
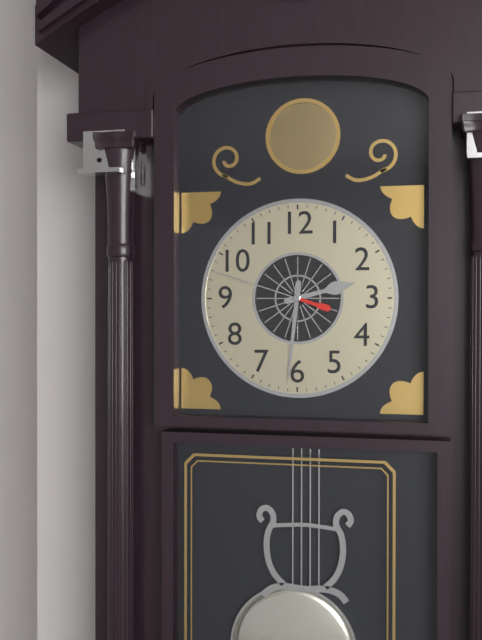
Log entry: 2h31m48s
